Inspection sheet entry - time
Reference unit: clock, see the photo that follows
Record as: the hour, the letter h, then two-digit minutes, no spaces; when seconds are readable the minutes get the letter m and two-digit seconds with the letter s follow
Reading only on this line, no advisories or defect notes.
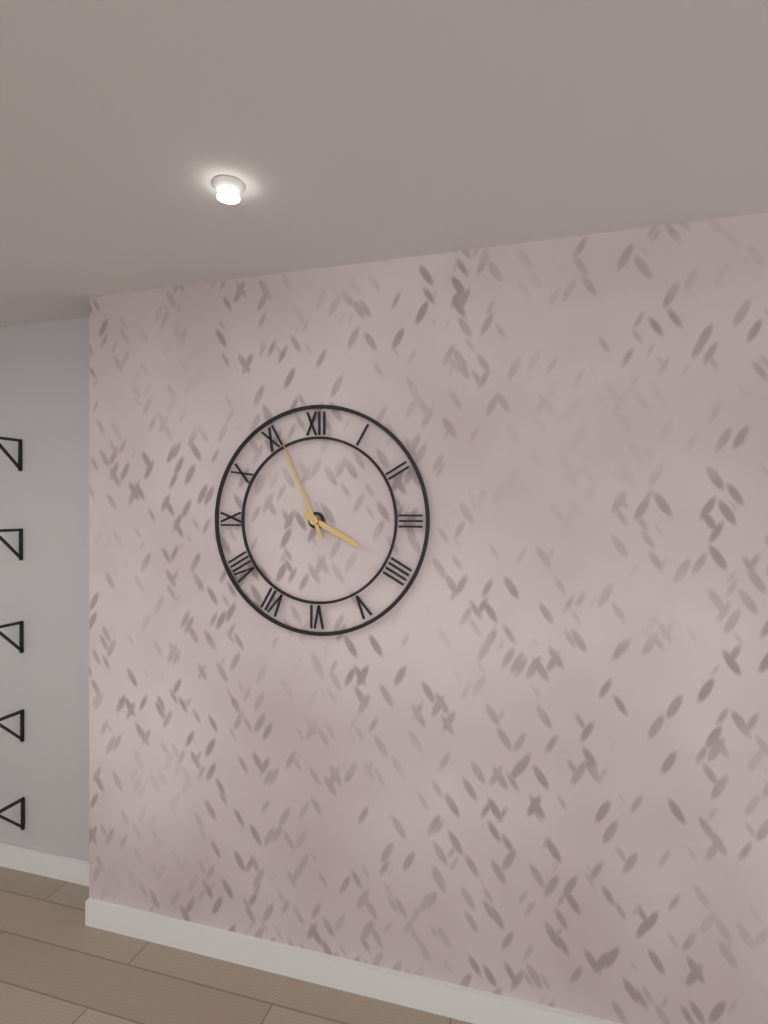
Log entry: 3h56
